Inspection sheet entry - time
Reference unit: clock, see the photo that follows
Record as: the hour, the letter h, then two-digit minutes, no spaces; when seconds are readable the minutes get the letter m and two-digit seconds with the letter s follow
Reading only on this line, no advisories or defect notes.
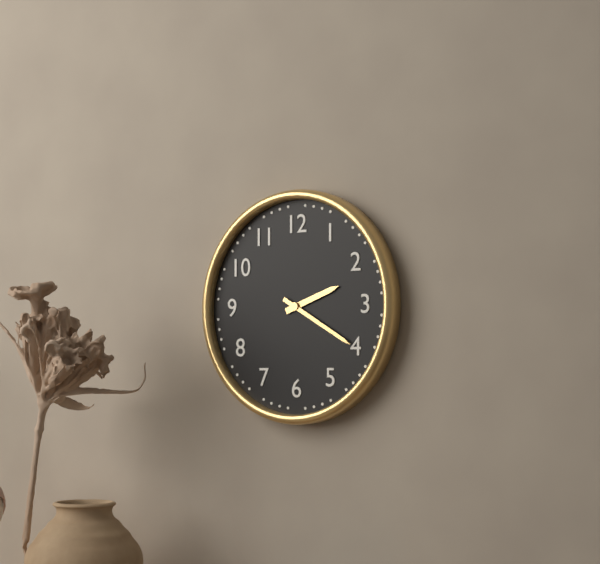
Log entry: 2h20
